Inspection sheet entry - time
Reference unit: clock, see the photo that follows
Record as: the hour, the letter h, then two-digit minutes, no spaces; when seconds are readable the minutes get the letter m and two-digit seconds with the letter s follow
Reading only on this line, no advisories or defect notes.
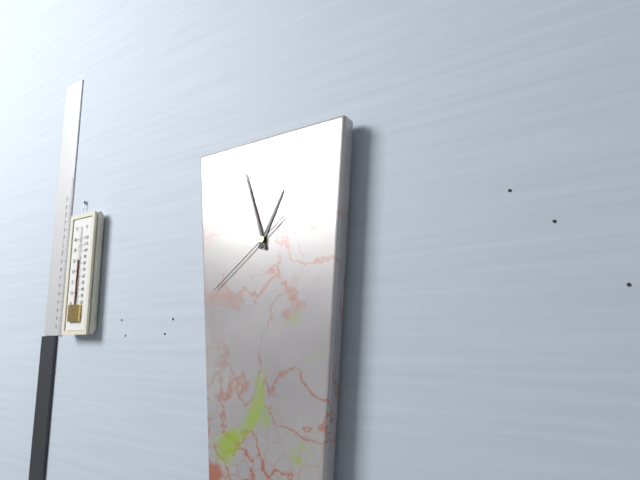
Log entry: 12h57m39s
